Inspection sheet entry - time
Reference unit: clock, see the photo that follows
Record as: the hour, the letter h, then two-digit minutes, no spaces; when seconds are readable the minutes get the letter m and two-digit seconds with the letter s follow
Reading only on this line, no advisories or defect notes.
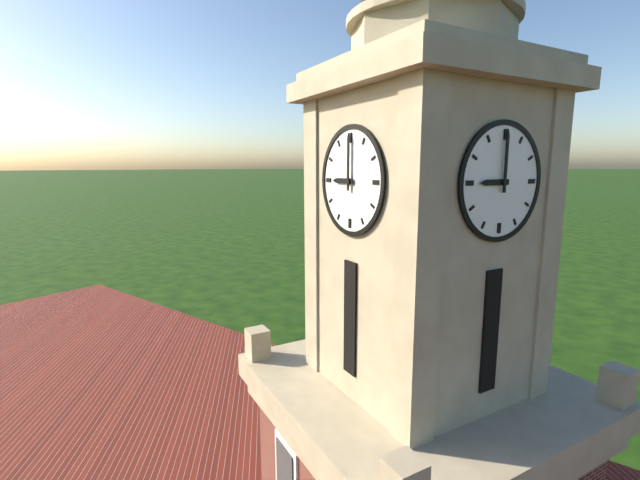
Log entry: 9h00
